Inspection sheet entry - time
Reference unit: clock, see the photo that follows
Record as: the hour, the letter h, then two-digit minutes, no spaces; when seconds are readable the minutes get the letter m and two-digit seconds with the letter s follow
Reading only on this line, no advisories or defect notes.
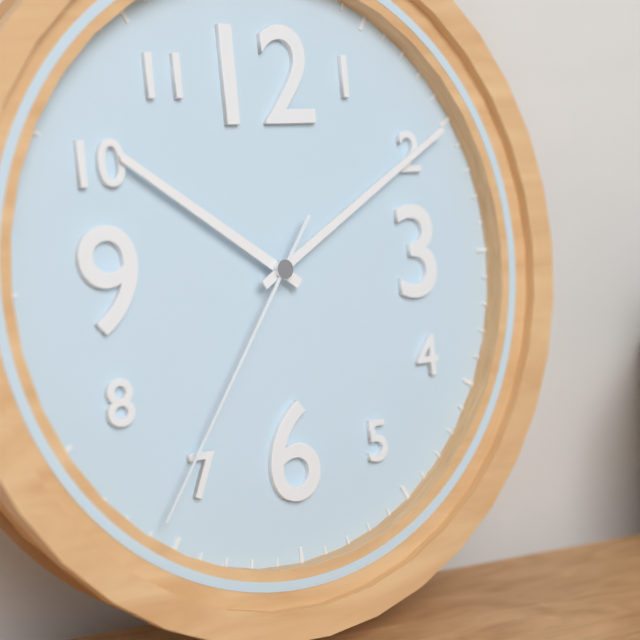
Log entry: 10h10m36s
